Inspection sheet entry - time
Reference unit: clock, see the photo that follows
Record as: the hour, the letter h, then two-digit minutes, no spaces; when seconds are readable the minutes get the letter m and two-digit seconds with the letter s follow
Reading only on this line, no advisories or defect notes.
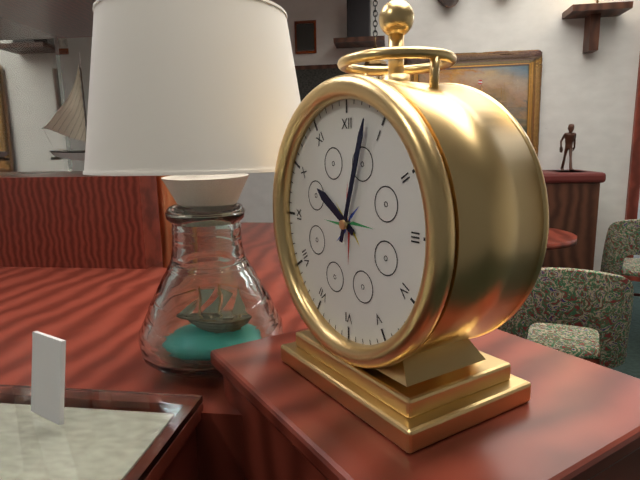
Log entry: 10h03
